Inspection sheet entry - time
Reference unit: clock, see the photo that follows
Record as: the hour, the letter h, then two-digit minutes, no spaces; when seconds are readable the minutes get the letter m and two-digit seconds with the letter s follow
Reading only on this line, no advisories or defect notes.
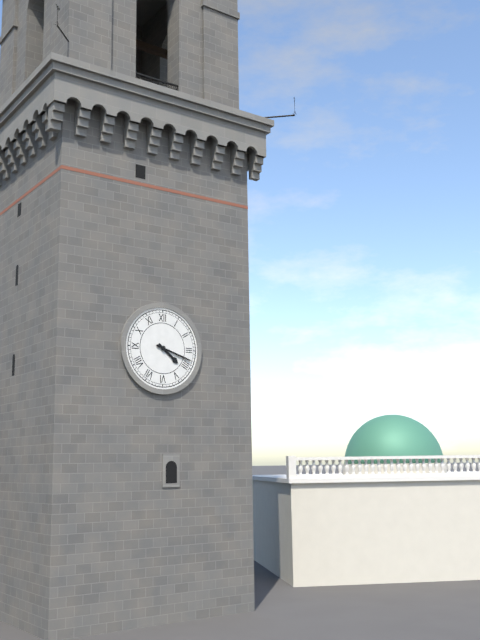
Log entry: 4h18
